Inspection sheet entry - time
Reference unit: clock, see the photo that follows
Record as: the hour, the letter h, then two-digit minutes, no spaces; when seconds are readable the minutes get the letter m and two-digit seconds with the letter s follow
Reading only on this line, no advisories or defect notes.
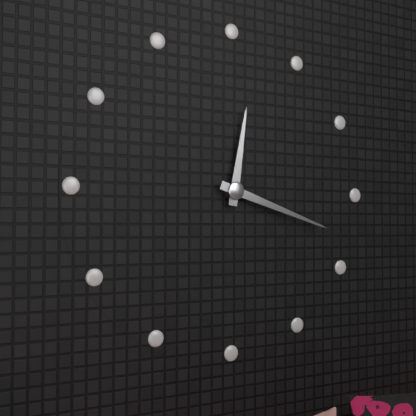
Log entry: 12h18
